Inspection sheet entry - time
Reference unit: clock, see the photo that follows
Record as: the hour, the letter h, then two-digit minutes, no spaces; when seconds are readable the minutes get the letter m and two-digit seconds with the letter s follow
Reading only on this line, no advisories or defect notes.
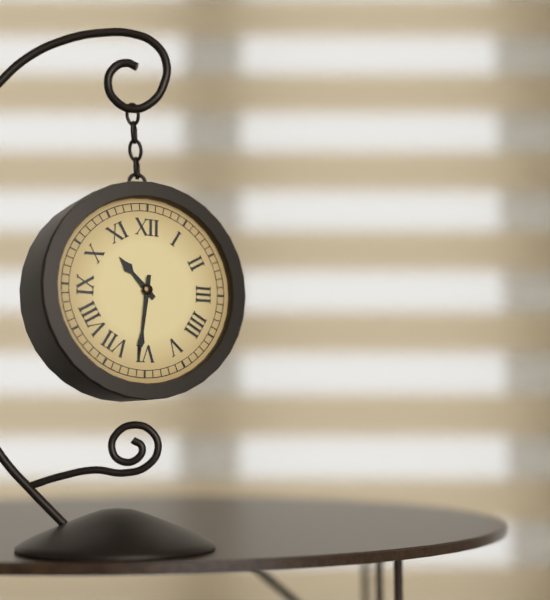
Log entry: 10h31
